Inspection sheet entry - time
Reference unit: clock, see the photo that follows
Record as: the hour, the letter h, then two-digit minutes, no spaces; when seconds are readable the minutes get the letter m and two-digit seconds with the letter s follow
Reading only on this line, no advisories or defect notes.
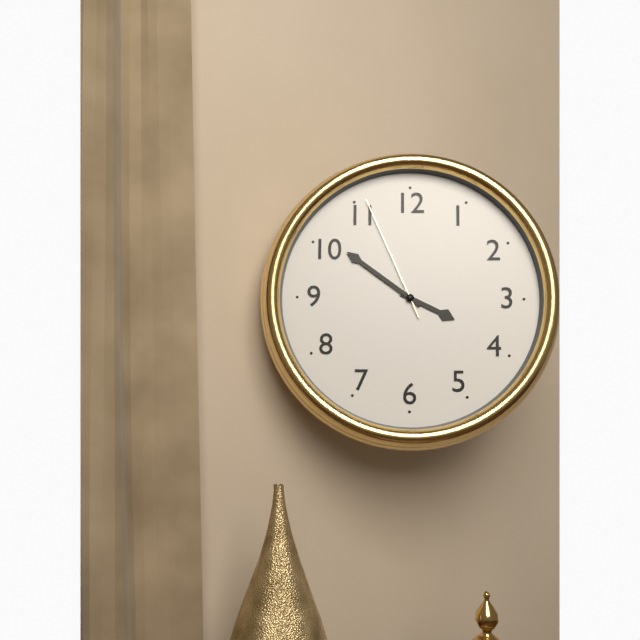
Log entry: 3h51m56s
